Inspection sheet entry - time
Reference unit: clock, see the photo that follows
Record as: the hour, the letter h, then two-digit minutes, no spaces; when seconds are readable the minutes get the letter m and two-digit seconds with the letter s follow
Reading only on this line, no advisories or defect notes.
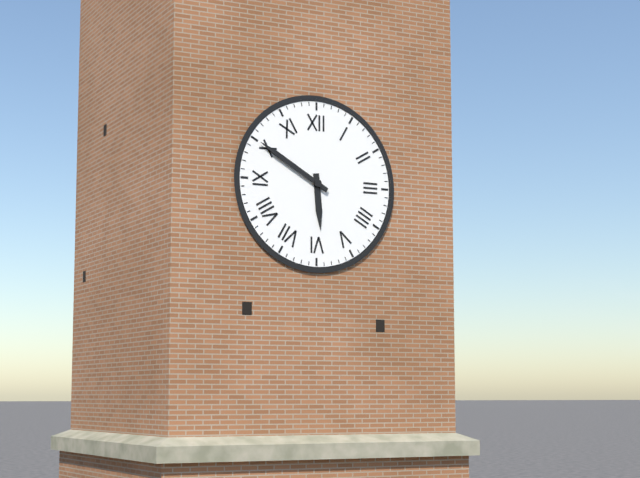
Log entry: 5h50
